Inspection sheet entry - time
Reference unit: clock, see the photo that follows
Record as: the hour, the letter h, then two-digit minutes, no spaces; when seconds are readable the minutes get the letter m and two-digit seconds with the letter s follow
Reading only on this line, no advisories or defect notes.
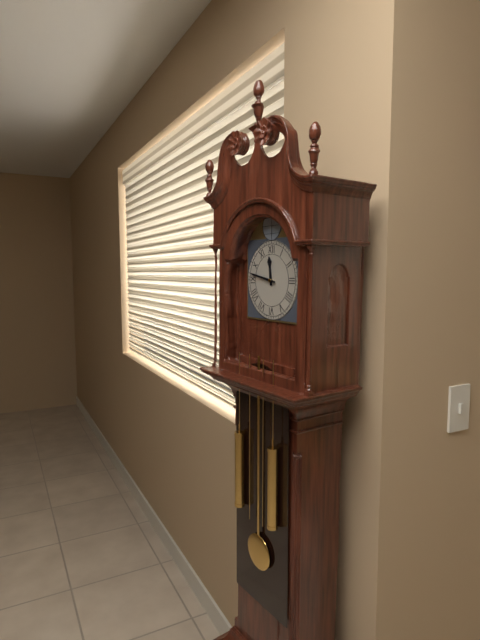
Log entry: 11h47
